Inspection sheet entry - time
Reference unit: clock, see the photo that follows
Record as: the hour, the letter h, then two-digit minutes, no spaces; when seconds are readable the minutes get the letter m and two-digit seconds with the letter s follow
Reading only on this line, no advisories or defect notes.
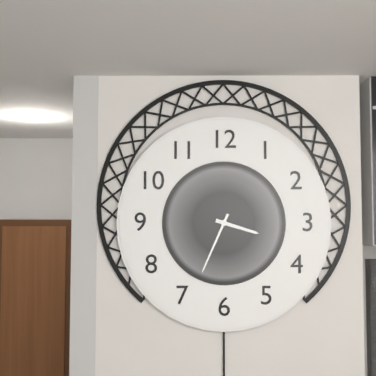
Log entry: 3h34
